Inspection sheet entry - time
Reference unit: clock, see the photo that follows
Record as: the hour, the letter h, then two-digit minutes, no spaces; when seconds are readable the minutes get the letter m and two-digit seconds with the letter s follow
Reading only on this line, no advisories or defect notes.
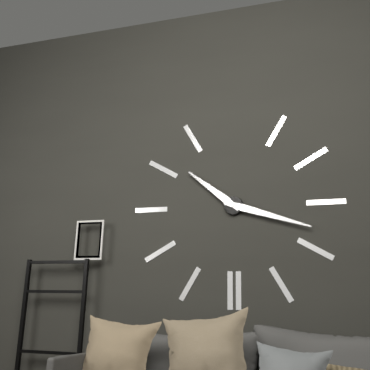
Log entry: 10h18
